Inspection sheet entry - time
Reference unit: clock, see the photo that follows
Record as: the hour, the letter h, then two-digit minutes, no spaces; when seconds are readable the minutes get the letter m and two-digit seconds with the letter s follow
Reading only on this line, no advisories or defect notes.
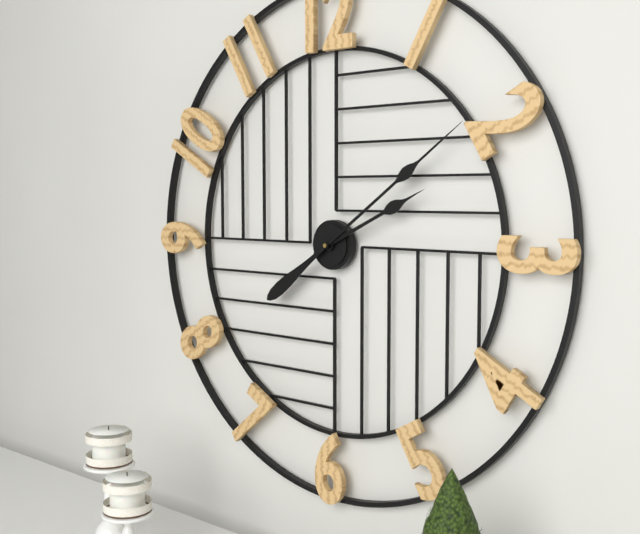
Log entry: 2h09
